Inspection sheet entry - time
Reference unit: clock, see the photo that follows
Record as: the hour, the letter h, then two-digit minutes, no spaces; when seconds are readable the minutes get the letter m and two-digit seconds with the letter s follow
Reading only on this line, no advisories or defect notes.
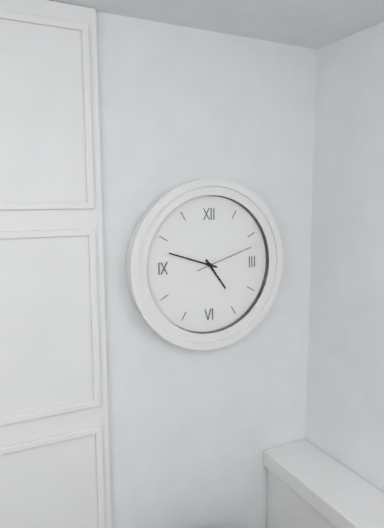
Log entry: 4h48m12s
